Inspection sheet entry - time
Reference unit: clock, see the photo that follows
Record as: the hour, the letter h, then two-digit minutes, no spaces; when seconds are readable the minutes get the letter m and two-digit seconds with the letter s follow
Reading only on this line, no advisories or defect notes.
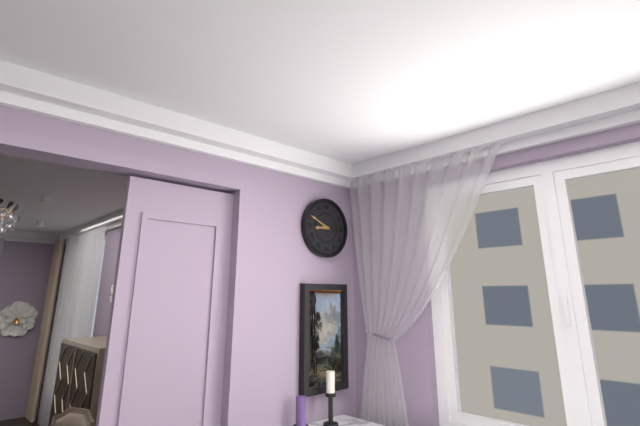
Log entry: 8h49
